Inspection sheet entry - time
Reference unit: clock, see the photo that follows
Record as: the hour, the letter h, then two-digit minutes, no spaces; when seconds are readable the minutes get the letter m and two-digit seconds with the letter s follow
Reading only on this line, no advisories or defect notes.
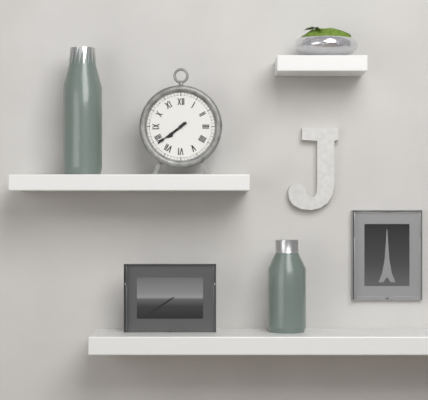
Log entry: 7h39
